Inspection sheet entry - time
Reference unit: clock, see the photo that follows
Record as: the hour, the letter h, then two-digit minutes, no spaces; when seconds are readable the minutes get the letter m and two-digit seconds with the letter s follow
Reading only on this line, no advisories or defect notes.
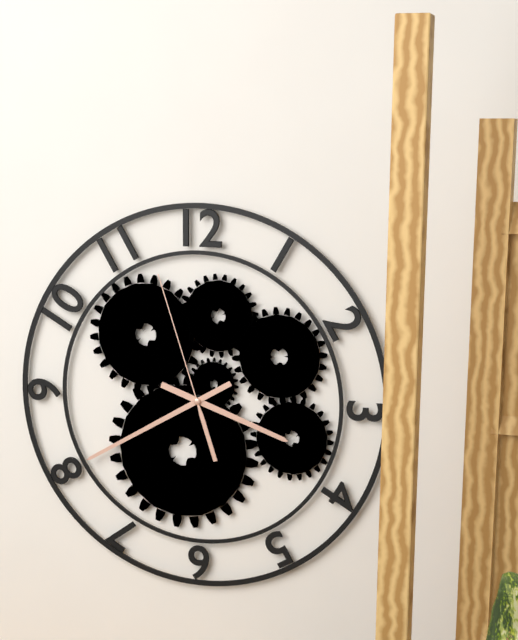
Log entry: 3h40m57s
